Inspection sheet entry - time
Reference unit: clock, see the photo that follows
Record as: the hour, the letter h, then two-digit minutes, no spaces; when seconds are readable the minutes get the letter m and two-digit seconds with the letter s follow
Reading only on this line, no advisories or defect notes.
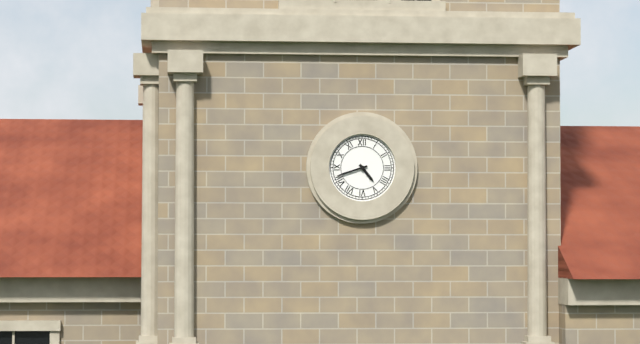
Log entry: 4h42
